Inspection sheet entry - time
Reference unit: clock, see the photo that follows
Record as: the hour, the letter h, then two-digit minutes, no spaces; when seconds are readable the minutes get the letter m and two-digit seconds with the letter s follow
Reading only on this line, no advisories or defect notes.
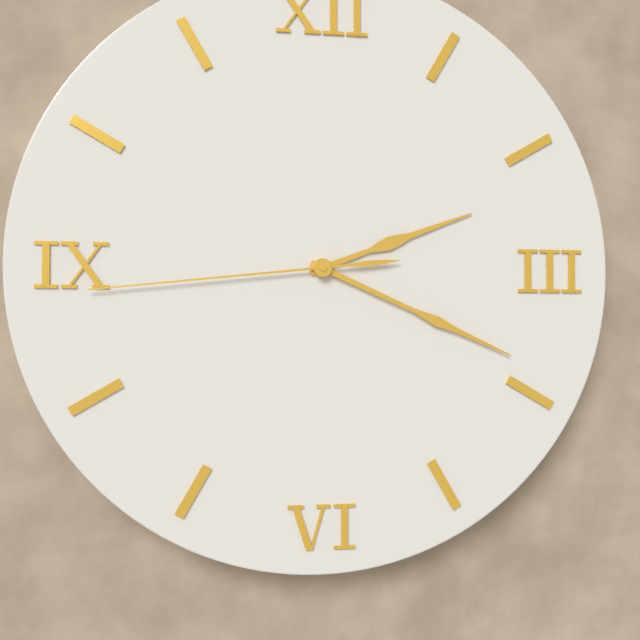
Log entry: 2h19m44s
